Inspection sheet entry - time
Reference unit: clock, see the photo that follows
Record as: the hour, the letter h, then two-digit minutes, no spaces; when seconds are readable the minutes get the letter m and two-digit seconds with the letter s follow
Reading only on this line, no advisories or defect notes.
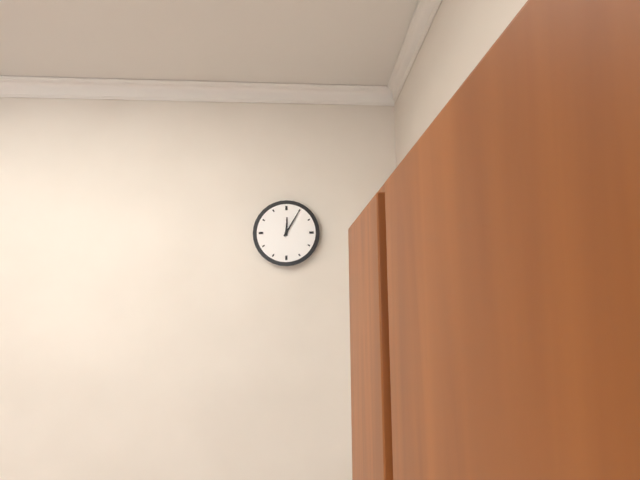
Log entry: 12h05
